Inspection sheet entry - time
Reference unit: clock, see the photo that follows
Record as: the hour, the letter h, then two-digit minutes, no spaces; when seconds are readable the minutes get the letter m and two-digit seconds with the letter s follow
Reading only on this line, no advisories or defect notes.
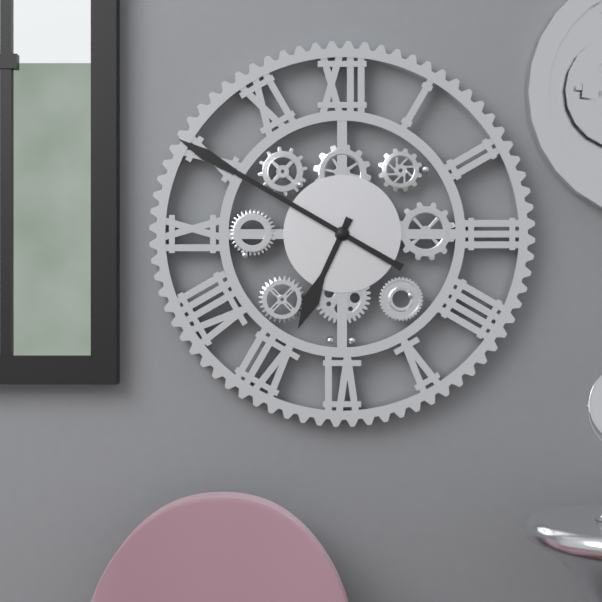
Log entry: 6h50
